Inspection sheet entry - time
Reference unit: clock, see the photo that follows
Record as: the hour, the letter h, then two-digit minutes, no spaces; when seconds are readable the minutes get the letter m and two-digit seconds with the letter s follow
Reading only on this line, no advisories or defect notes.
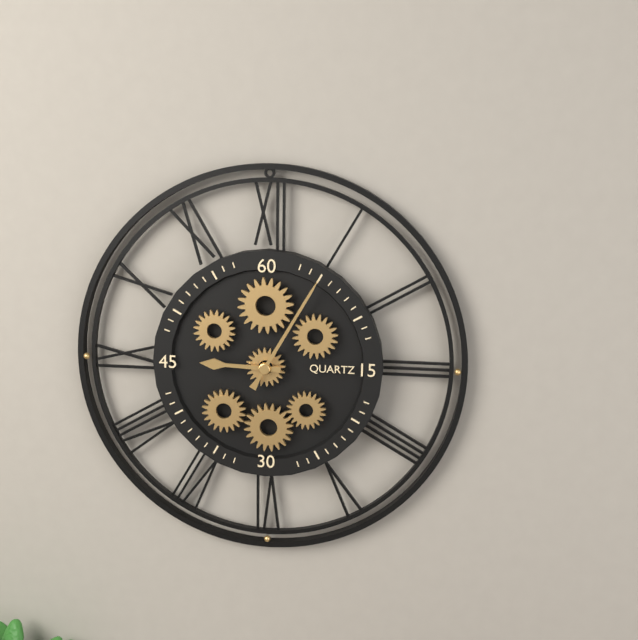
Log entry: 9h05
